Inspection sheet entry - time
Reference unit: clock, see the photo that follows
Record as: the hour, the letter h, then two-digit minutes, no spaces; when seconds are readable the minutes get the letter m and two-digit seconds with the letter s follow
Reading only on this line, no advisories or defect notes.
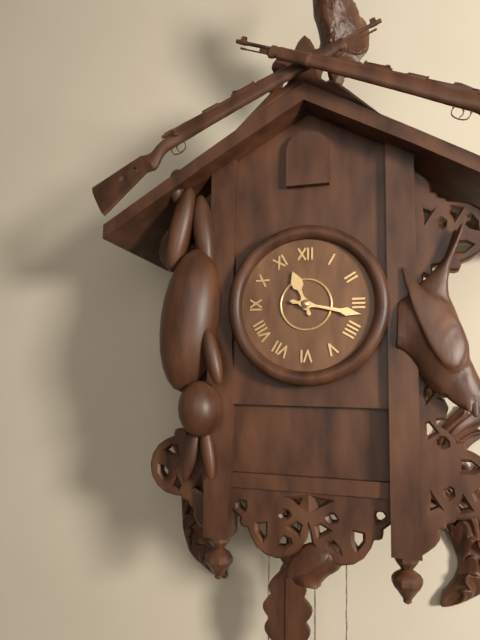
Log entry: 11h17
